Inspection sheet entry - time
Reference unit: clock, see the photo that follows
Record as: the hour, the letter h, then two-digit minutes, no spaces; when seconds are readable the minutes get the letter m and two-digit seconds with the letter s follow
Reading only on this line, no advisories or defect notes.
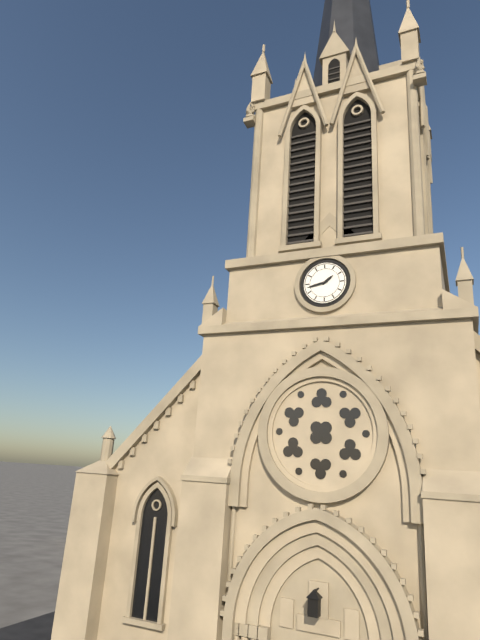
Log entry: 1h43
